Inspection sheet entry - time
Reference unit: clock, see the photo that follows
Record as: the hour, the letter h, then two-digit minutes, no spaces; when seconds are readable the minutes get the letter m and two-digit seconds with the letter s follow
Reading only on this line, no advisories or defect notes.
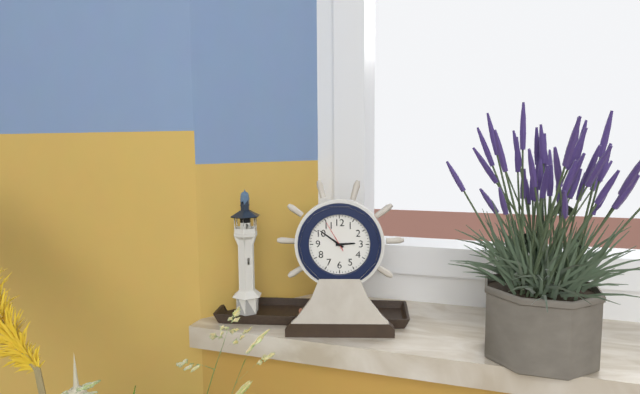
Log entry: 2h51
